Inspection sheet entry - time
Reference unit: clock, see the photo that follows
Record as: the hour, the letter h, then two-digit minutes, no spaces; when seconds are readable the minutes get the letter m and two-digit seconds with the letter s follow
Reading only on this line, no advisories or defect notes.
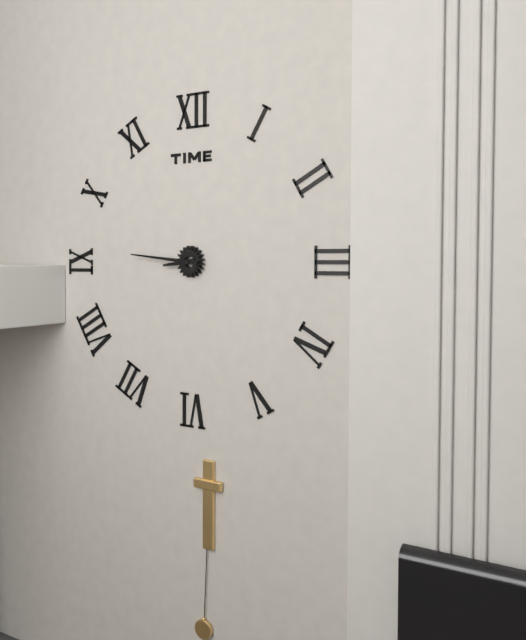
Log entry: 8h46
